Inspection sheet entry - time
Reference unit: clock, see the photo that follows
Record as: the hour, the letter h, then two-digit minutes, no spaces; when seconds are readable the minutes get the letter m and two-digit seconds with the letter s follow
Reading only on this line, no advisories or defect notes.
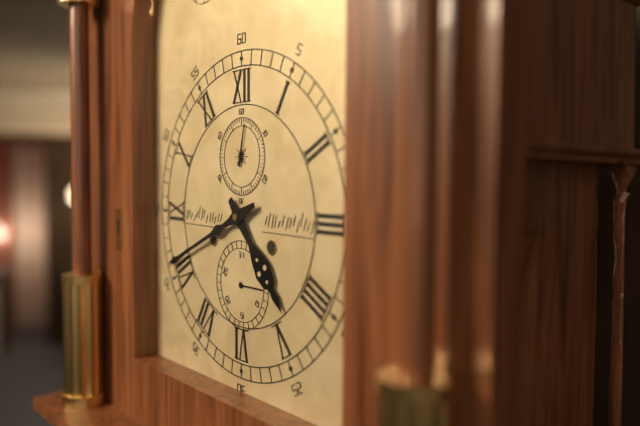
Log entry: 4h41
